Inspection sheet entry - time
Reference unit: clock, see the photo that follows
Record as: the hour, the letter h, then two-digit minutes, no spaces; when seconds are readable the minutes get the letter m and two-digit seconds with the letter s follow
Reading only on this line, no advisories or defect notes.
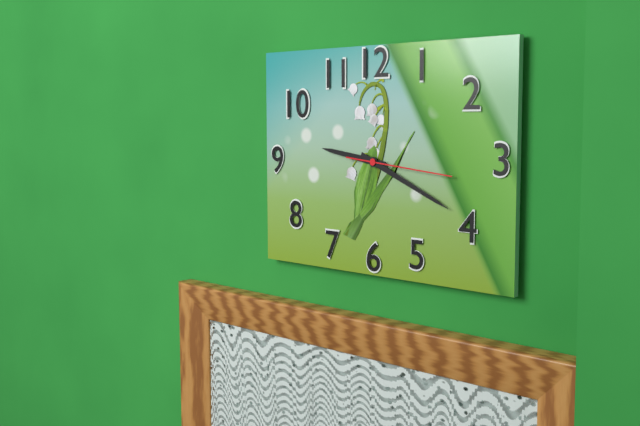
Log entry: 9h19m16s
